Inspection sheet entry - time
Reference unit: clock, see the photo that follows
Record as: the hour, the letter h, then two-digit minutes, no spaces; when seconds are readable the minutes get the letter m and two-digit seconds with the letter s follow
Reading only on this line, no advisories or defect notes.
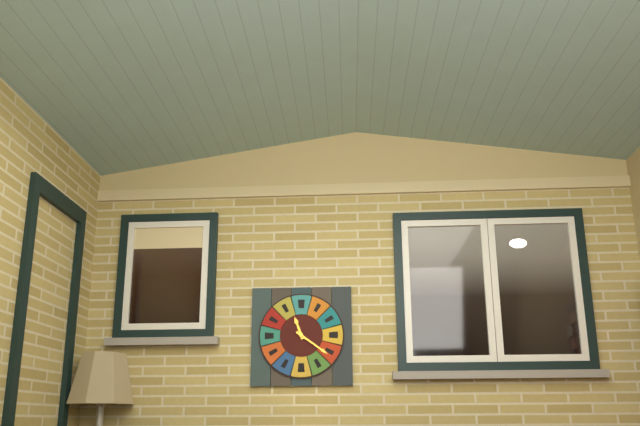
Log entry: 11h21
